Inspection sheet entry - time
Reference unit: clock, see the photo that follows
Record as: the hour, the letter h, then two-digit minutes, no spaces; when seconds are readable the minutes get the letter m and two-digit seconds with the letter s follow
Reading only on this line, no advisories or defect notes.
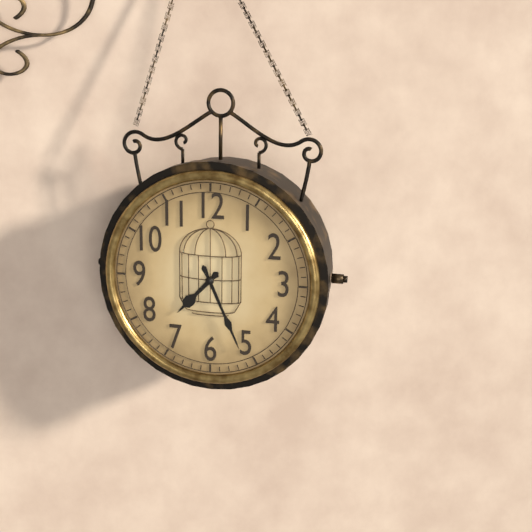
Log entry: 7h26
